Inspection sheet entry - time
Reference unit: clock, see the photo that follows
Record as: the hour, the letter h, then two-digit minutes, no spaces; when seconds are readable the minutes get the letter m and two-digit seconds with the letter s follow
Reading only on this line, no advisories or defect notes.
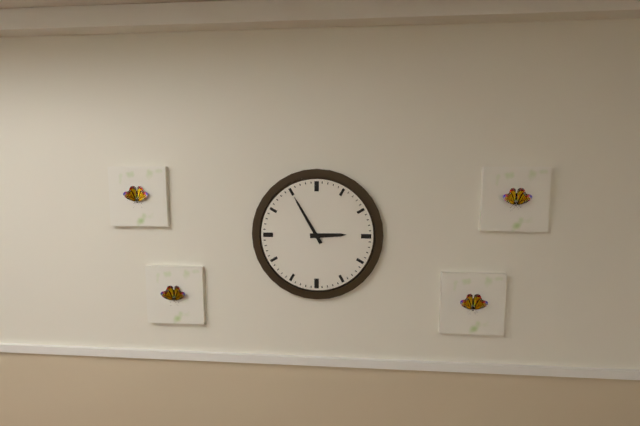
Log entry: 2h55
